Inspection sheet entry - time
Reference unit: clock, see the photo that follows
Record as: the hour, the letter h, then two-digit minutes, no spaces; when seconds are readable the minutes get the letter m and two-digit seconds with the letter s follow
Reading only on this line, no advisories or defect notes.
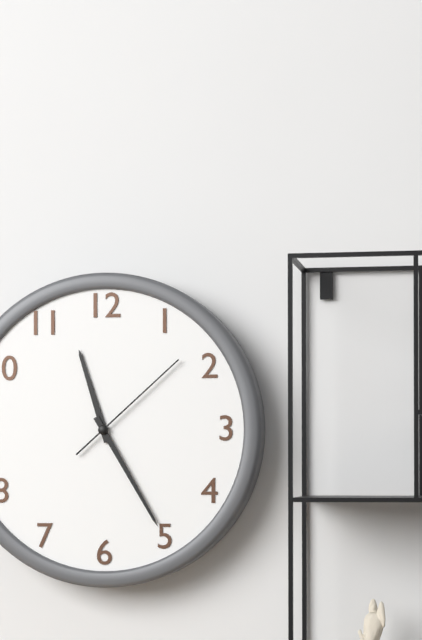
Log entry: 11h25m08s
